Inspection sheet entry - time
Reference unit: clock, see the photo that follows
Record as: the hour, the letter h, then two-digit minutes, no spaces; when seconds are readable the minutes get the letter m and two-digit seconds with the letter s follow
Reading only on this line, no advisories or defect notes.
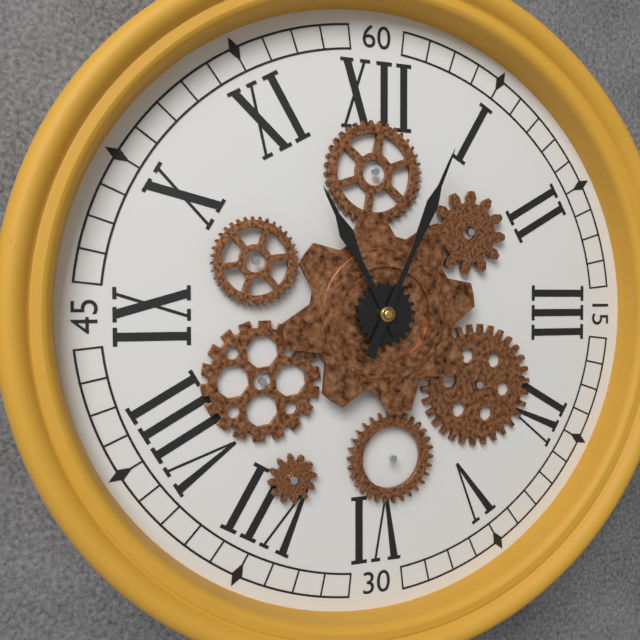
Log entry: 11h04
